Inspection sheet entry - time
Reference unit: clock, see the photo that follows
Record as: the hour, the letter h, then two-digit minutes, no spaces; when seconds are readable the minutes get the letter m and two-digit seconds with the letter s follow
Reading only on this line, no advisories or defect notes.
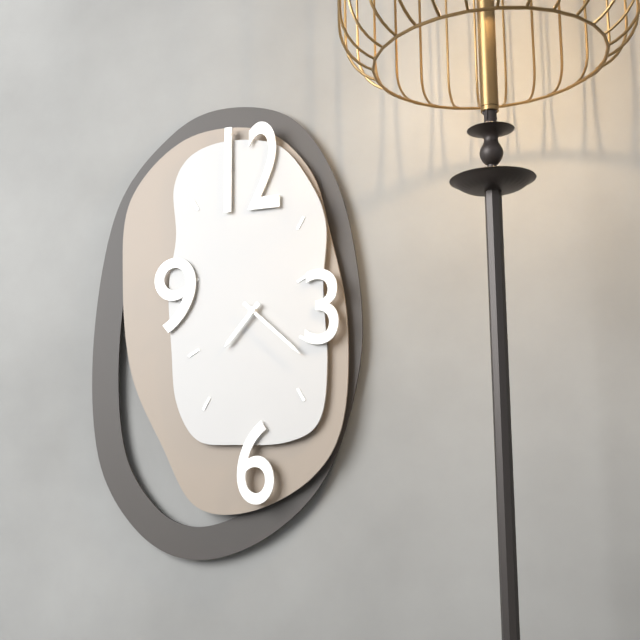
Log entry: 7h22
